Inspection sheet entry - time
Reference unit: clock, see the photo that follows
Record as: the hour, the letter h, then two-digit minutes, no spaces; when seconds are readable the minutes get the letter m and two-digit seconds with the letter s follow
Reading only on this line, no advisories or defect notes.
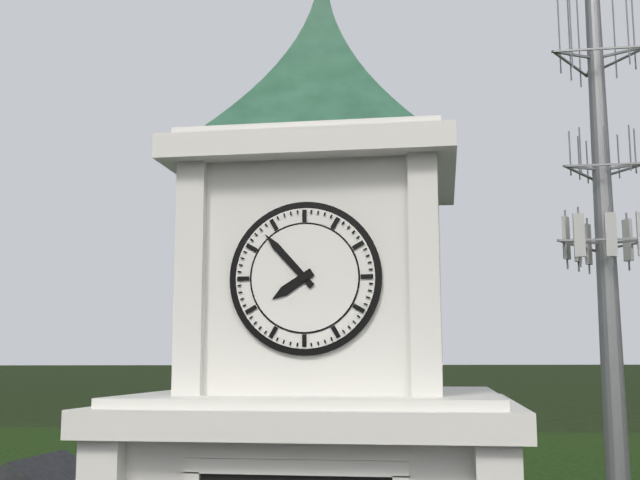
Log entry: 7h53
